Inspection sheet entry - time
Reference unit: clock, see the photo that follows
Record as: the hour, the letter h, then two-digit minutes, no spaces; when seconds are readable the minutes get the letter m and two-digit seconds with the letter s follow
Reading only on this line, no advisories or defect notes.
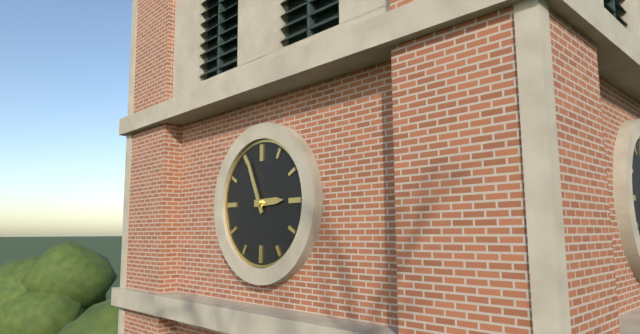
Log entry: 2h56
